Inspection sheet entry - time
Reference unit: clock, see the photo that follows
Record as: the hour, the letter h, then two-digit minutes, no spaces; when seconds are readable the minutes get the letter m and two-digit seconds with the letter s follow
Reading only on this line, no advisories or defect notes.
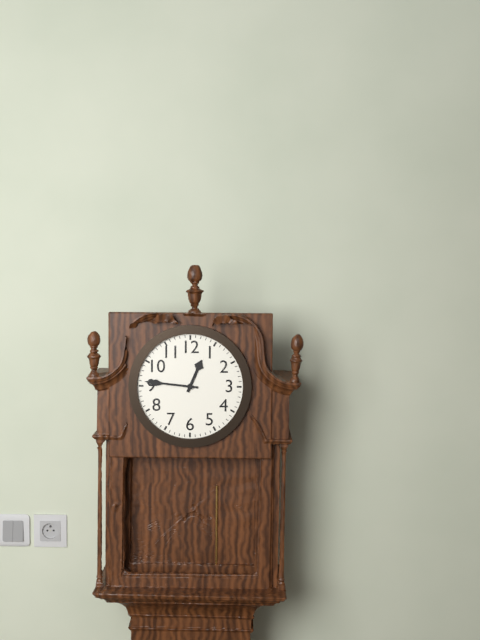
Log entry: 12h46
